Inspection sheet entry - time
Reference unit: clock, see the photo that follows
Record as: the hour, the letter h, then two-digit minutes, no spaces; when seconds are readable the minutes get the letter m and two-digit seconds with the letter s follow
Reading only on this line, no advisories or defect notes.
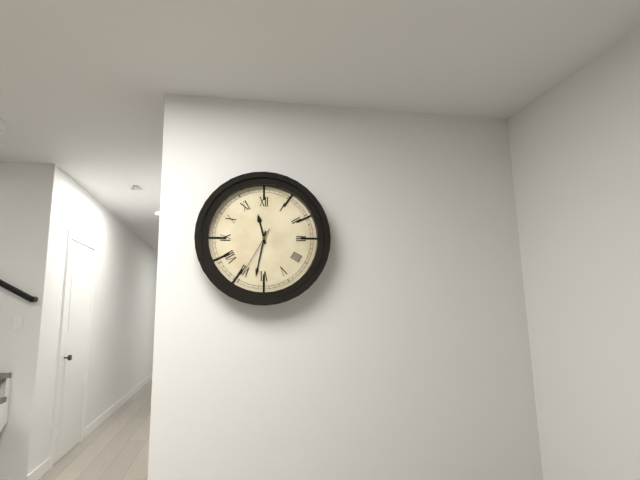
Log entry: 11h32m35s
